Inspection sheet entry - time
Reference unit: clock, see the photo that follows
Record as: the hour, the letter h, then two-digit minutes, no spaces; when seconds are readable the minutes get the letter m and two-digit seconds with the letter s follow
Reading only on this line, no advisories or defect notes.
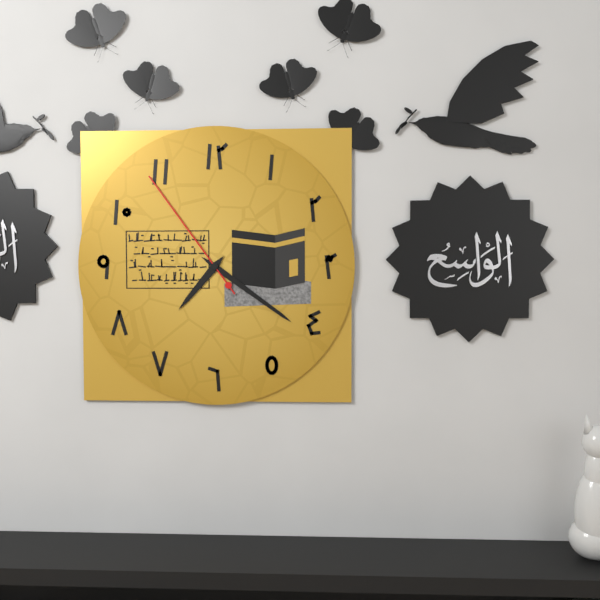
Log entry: 7h21m54s
